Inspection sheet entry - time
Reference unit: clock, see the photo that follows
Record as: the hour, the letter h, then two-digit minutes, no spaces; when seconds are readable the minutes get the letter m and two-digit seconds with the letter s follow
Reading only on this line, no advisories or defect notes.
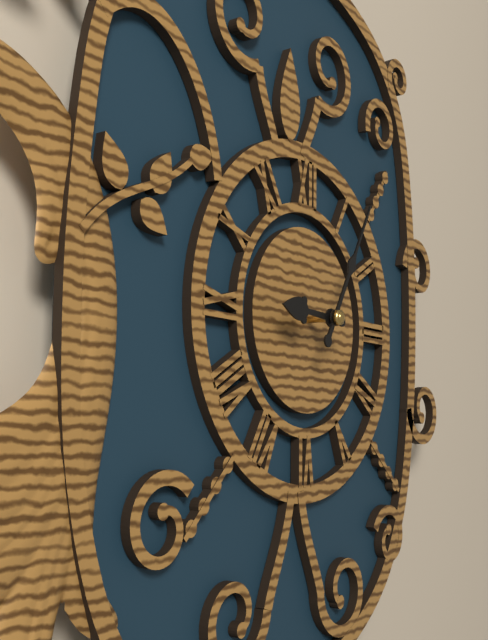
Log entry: 9h05
